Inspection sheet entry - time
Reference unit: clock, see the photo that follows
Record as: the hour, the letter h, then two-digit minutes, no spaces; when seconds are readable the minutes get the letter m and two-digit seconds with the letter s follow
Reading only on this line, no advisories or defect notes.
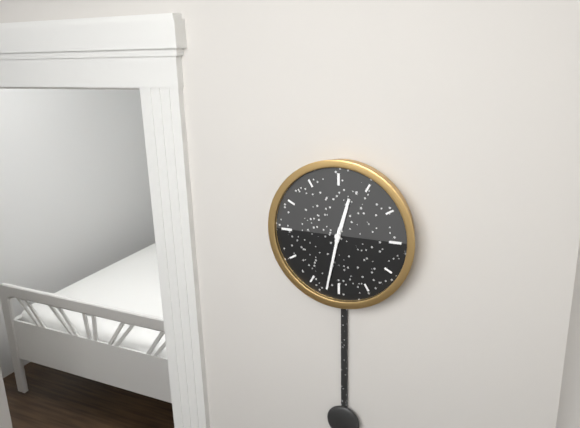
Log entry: 12h32
